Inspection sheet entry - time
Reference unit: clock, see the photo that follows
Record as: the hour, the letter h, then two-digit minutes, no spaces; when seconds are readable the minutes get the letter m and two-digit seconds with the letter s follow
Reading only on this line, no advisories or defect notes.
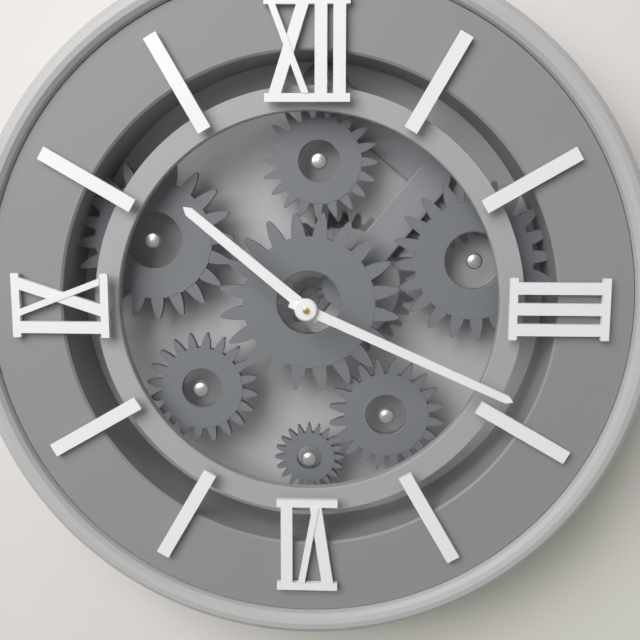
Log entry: 10h19
